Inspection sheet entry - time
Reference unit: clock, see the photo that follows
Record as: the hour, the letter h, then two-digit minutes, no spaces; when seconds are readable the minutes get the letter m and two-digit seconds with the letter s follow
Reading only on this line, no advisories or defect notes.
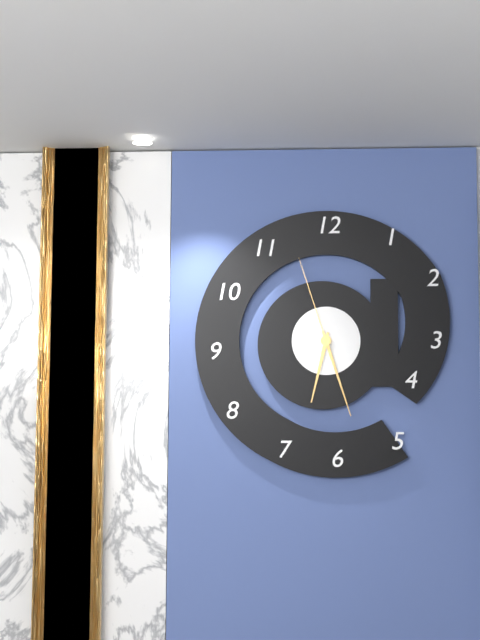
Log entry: 6h27m57s
